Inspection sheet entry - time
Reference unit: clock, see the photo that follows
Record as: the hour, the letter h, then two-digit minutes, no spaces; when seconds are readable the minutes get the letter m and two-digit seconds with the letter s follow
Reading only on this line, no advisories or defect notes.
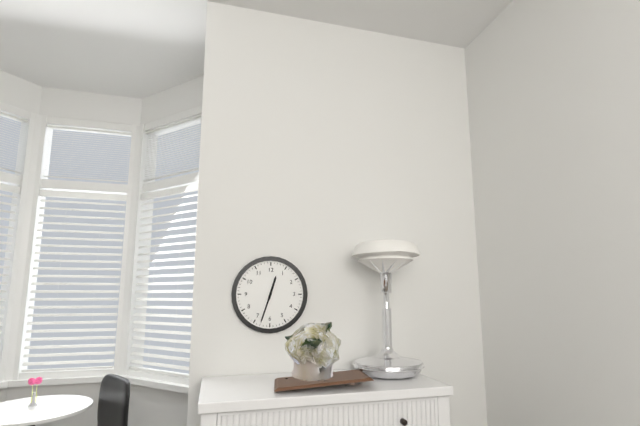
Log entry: 12h33
